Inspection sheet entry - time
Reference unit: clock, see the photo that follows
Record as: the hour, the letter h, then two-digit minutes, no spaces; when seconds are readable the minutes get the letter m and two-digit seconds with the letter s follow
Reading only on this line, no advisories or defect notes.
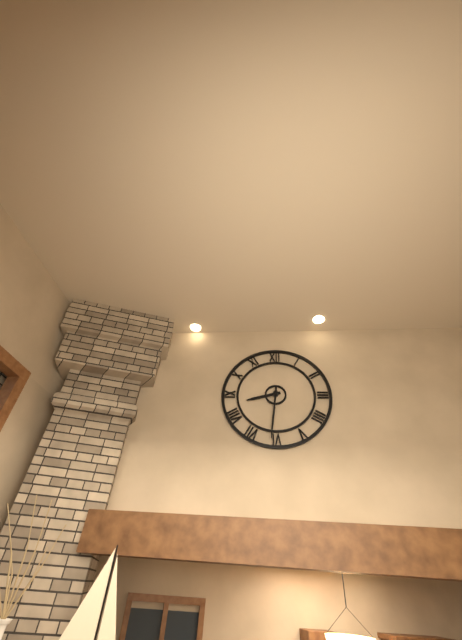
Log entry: 8h31
